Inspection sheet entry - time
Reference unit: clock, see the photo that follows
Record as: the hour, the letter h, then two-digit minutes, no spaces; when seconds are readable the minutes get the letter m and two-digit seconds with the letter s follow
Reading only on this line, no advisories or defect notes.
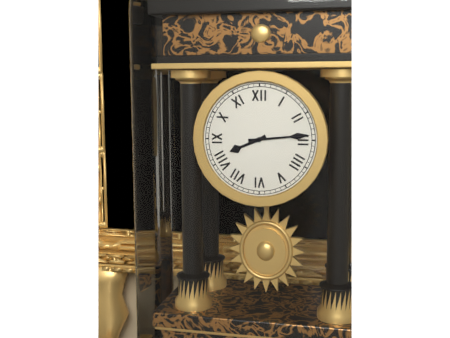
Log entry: 8h14
